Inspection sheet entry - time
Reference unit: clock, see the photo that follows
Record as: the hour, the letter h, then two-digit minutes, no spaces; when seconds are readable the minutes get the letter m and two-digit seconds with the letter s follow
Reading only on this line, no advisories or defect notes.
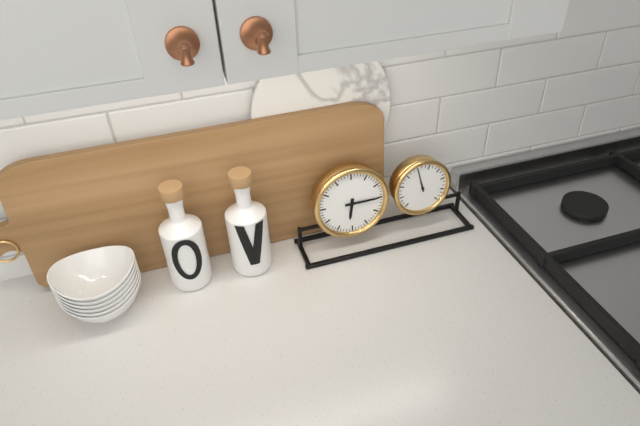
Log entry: 6h15
